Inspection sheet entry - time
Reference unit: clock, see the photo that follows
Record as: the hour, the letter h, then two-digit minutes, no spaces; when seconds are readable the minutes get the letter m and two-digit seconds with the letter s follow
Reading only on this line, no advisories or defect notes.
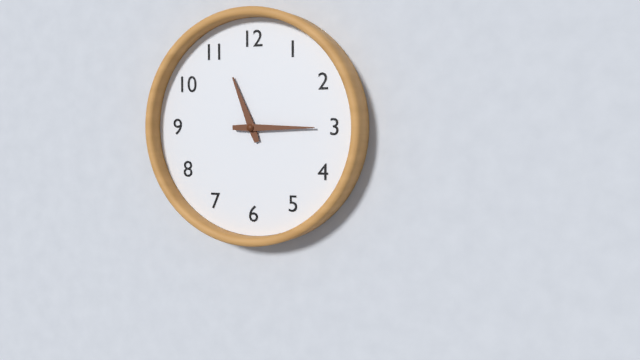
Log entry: 11h15
